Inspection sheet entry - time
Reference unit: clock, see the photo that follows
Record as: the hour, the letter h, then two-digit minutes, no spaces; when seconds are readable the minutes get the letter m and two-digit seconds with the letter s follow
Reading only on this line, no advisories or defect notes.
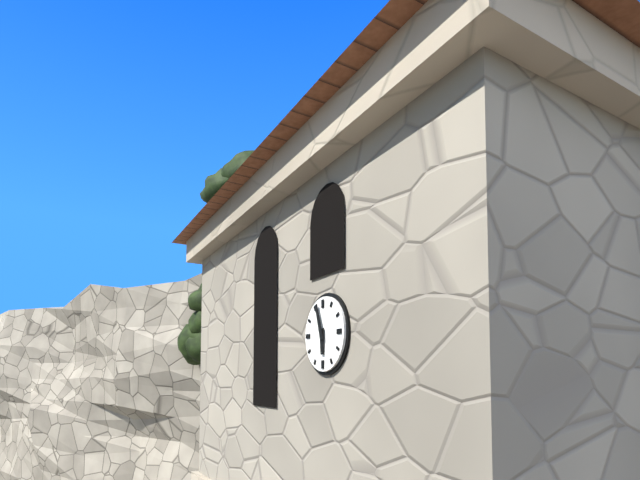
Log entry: 5h57
